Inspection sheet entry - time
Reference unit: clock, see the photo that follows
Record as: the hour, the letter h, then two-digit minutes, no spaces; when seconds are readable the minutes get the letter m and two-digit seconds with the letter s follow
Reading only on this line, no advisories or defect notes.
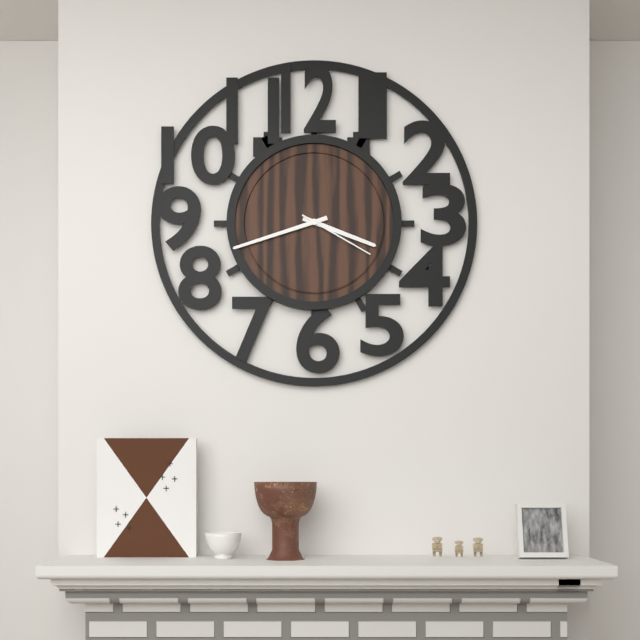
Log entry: 3h42m20s
